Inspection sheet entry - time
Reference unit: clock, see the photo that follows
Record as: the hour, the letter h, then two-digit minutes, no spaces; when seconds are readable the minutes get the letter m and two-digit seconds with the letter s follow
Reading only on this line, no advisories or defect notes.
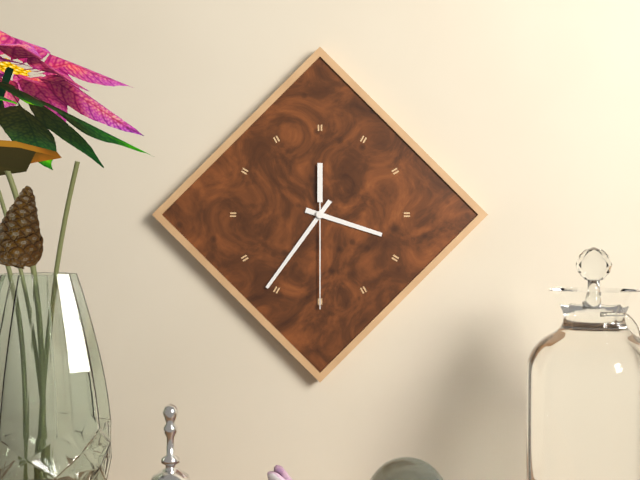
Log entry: 3h36m30s
